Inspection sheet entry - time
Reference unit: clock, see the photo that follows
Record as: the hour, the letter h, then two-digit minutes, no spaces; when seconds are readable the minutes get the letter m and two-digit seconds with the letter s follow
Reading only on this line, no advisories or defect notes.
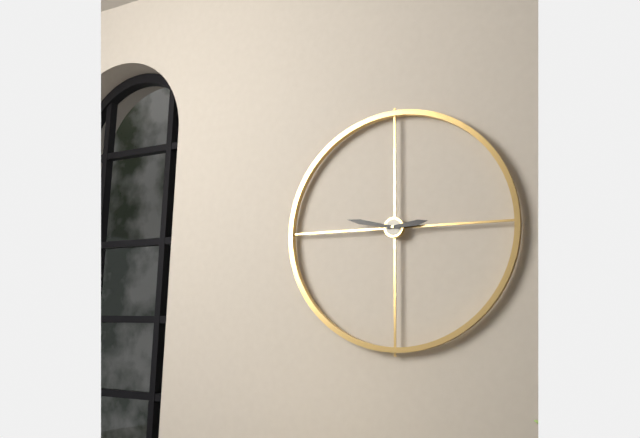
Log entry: 2h47
